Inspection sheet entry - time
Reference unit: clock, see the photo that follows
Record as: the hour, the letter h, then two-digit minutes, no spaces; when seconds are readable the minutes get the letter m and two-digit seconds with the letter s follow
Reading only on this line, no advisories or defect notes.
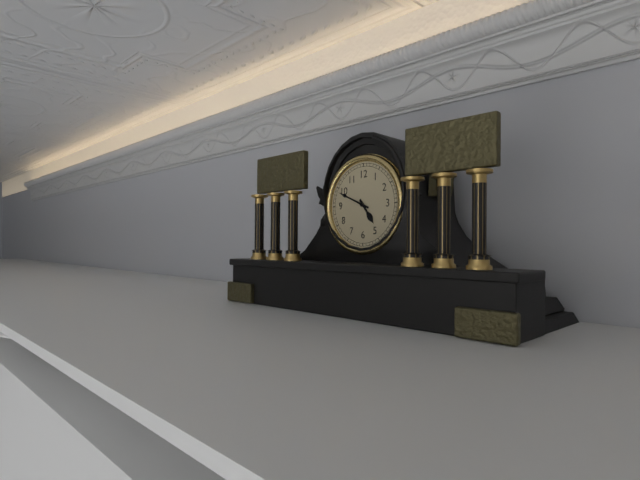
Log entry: 4h49
